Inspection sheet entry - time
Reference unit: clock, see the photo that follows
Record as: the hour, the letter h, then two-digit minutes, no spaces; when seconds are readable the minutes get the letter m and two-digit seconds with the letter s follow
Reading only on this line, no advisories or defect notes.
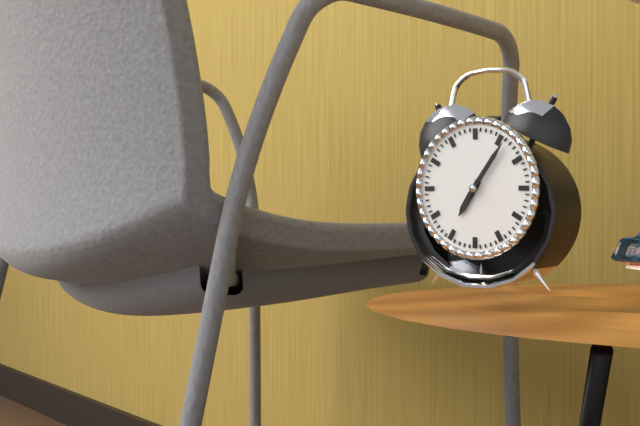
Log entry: 7h06
